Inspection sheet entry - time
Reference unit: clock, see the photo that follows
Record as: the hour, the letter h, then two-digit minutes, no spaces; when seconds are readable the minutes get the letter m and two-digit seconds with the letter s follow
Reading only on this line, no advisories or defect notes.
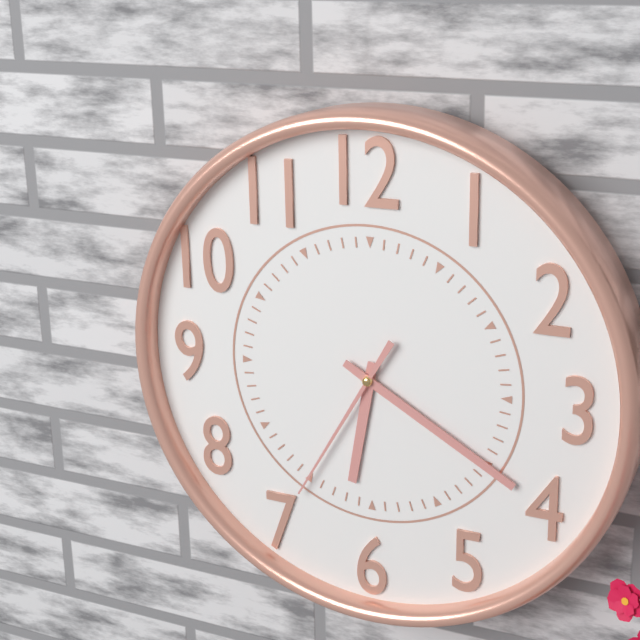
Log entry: 6h20m35s
